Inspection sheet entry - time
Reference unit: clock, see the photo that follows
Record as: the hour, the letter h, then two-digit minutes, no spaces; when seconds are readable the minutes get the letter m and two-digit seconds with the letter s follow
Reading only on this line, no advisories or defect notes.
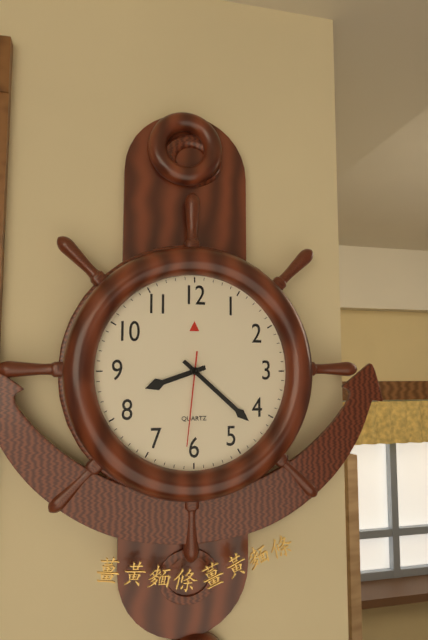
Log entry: 8h22m31s
